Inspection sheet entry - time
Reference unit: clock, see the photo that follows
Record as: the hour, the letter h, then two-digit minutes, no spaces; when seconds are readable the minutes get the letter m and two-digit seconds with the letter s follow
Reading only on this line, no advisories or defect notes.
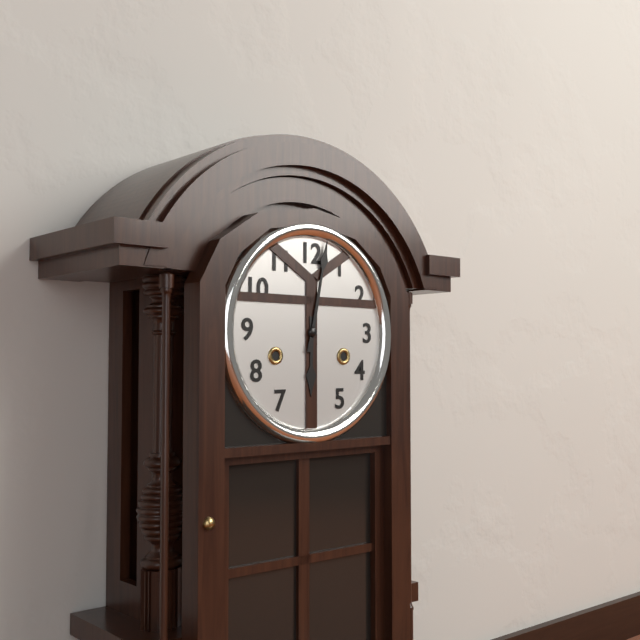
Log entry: 6h02
